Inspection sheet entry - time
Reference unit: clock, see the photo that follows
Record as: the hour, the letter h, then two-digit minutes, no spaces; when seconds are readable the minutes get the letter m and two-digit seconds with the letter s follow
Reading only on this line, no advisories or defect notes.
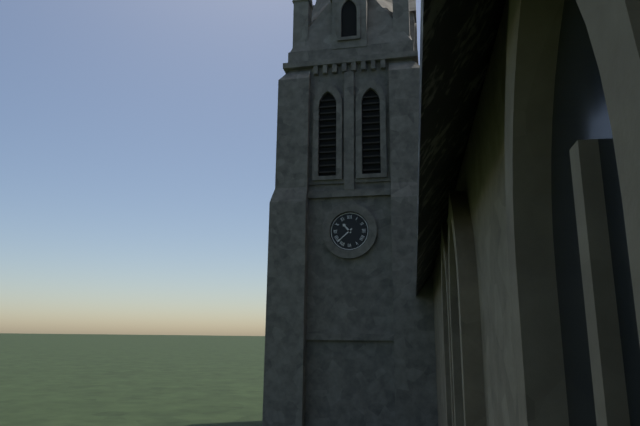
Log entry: 10h38
